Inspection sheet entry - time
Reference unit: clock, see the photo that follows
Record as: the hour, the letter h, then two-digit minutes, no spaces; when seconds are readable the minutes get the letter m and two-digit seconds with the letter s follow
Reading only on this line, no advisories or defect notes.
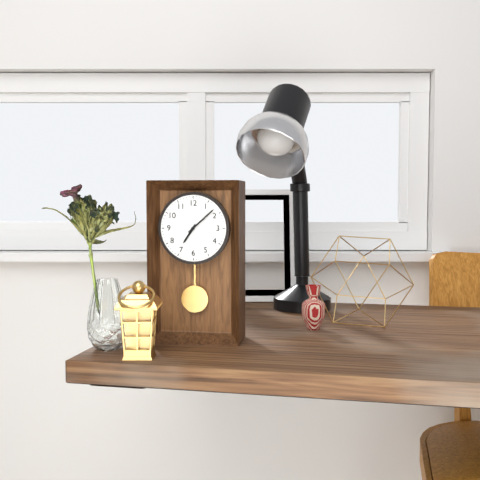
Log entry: 7h08
